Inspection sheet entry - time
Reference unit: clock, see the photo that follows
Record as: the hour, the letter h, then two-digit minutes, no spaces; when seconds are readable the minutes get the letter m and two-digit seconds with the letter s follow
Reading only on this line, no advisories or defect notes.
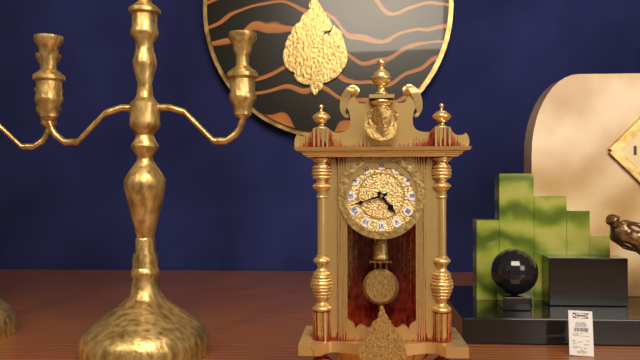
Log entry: 4h42
